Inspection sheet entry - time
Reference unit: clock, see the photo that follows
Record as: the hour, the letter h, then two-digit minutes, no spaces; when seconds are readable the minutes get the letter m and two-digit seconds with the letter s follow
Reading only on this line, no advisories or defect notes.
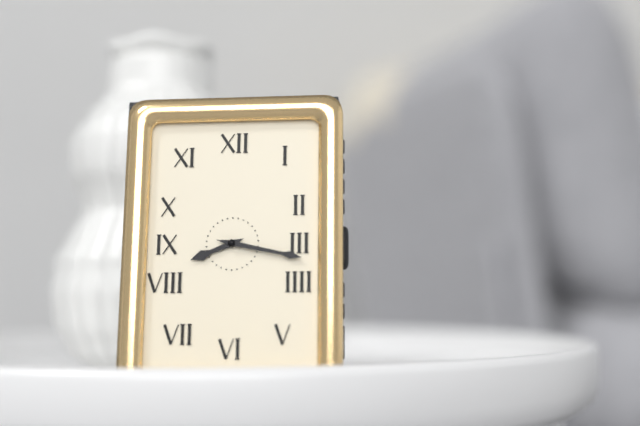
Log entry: 8h17
